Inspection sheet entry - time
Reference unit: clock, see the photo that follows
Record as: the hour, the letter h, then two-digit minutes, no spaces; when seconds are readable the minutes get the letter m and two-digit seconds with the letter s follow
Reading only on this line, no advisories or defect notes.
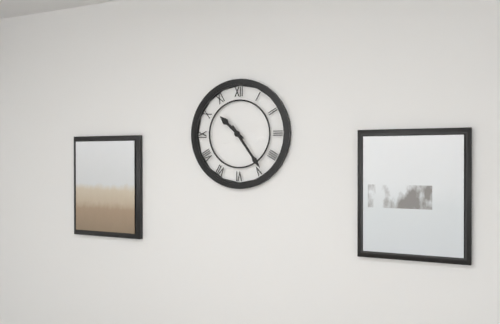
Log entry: 10h24
